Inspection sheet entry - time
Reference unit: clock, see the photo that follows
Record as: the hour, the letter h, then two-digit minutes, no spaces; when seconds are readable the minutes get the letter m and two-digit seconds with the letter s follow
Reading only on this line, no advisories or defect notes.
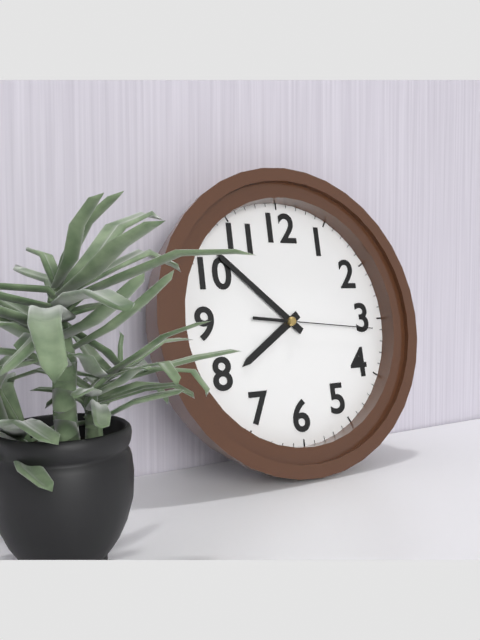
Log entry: 7h52m16s
